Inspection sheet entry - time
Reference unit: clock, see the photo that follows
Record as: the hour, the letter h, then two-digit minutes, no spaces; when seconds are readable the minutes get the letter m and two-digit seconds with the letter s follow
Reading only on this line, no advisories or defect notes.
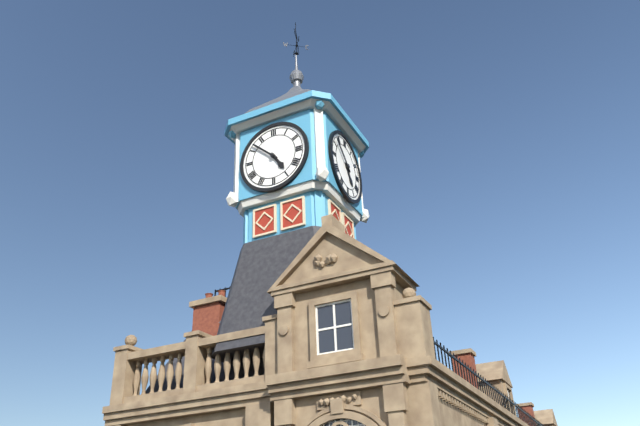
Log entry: 4h52
